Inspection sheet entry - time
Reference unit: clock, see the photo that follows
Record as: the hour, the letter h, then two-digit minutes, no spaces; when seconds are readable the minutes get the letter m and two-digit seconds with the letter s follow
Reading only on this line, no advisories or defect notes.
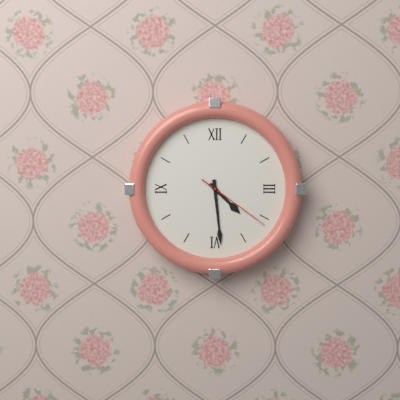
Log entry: 4h29m21s
